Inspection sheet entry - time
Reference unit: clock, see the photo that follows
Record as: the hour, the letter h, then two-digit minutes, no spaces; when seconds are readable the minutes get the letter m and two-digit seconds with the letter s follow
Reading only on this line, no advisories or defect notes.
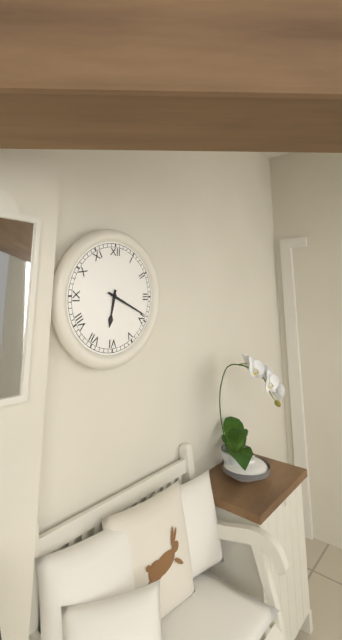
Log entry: 6h19
